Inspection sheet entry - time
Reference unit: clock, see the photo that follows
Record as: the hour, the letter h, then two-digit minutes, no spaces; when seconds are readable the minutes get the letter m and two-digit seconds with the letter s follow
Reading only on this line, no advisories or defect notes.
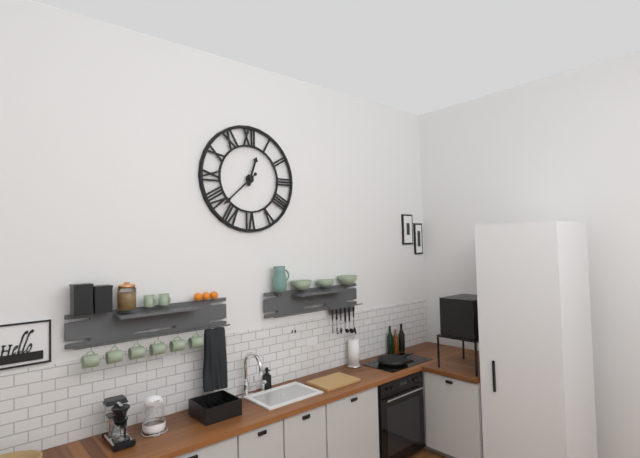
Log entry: 12h38
